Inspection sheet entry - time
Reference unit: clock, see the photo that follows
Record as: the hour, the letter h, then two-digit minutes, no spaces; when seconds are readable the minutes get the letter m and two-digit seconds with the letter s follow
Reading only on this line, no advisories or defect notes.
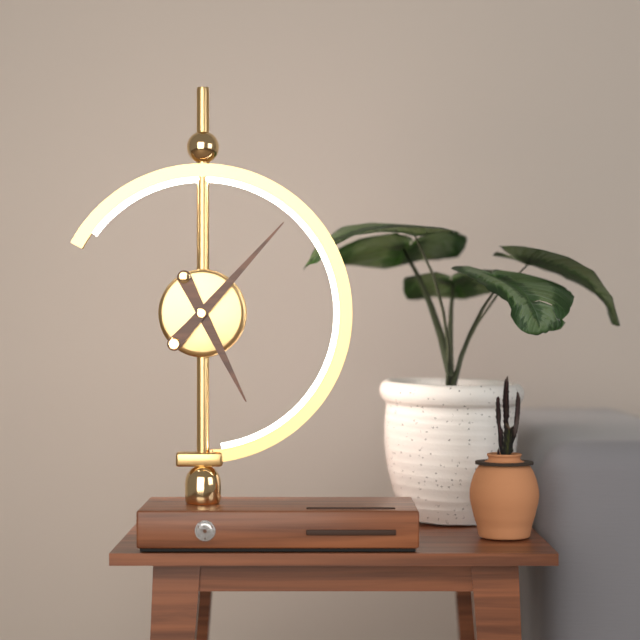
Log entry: 5h07
